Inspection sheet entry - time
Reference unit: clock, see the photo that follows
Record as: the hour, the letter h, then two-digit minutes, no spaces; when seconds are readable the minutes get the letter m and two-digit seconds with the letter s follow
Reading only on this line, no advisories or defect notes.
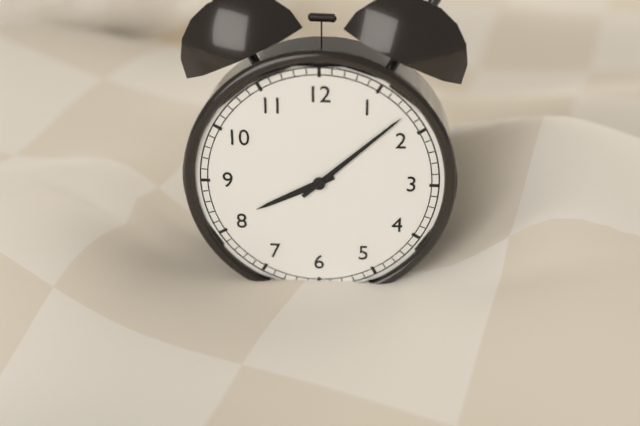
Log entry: 8h08
